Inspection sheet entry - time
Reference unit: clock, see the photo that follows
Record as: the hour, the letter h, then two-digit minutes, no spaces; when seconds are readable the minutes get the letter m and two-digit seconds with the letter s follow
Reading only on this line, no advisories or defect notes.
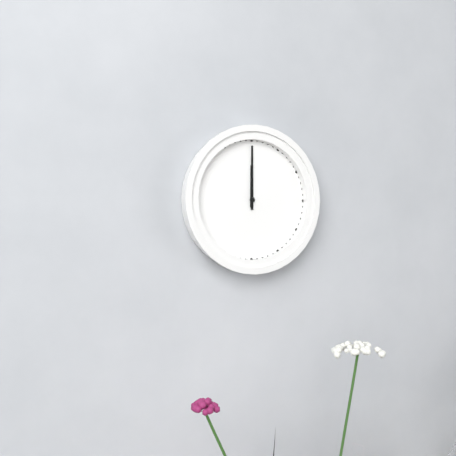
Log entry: 12h00
